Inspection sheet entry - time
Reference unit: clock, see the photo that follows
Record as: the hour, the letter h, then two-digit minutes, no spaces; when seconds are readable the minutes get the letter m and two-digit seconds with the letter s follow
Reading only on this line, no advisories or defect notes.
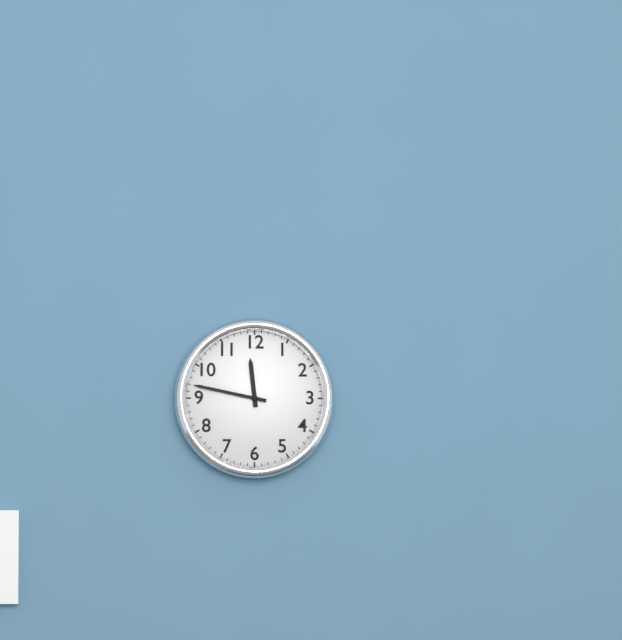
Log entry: 11h47
